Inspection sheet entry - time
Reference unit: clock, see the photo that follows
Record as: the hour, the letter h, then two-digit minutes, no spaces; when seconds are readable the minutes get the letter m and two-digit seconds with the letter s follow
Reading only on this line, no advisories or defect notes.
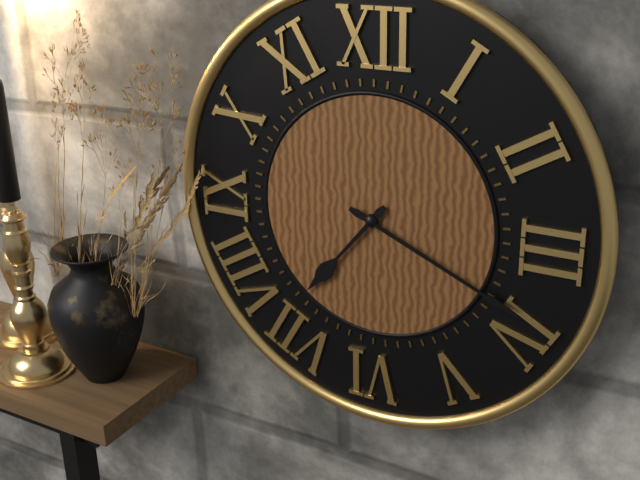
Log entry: 7h19
